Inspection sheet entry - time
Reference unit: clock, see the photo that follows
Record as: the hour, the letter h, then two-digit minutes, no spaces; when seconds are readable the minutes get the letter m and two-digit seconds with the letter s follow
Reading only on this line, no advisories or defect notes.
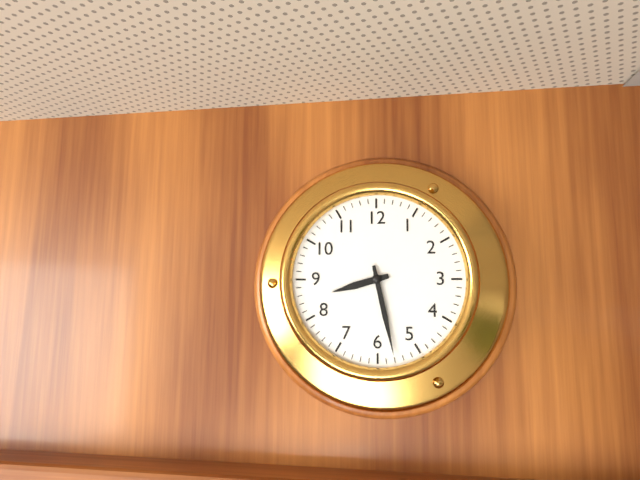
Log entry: 8h28
